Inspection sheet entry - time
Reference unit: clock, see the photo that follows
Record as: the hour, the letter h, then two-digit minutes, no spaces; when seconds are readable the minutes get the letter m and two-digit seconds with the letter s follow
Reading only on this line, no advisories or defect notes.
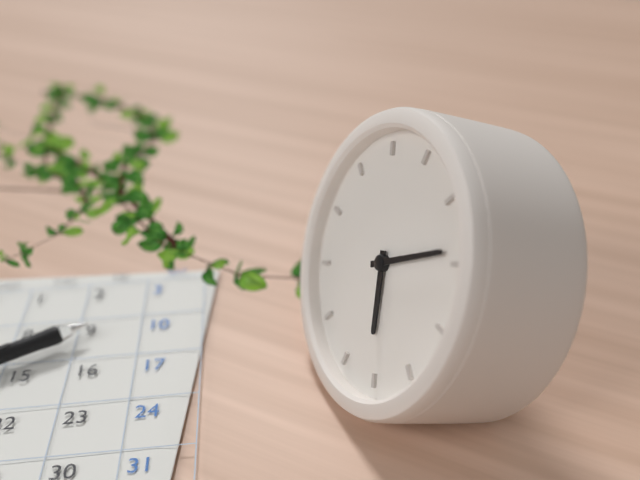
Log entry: 5h09
